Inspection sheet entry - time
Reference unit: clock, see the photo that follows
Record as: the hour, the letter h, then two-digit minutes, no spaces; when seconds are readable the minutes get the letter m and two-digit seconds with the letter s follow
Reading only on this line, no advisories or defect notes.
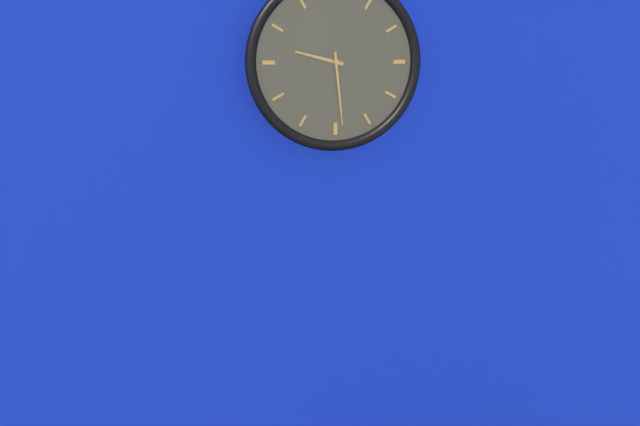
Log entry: 9h29
